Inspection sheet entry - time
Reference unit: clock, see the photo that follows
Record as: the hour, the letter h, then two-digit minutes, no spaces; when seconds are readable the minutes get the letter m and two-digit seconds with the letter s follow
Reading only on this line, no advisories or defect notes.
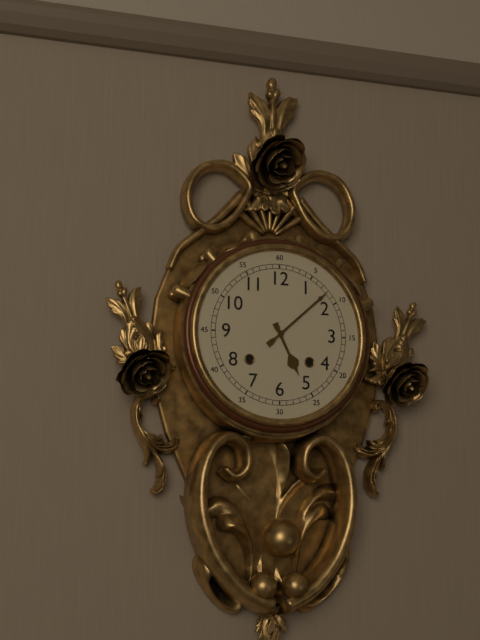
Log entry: 5h08
